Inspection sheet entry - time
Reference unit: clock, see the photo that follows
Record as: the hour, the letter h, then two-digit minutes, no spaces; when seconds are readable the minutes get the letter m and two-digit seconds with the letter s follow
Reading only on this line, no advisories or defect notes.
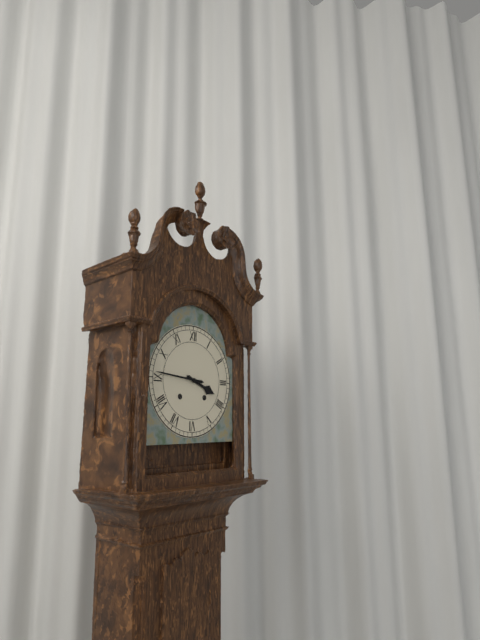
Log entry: 3h46
